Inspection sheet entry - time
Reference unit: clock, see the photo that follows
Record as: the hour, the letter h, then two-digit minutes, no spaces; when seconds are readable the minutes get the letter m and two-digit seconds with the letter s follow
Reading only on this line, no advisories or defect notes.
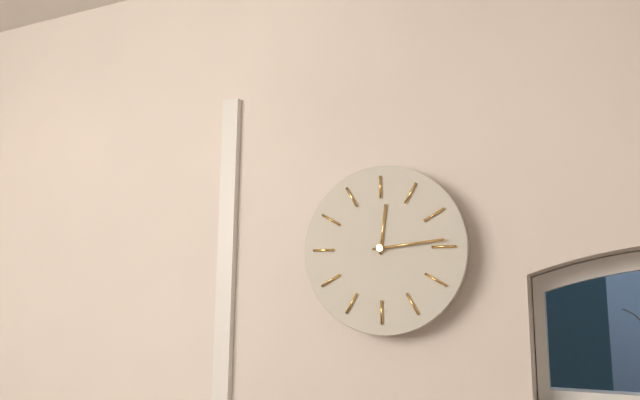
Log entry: 12h14
